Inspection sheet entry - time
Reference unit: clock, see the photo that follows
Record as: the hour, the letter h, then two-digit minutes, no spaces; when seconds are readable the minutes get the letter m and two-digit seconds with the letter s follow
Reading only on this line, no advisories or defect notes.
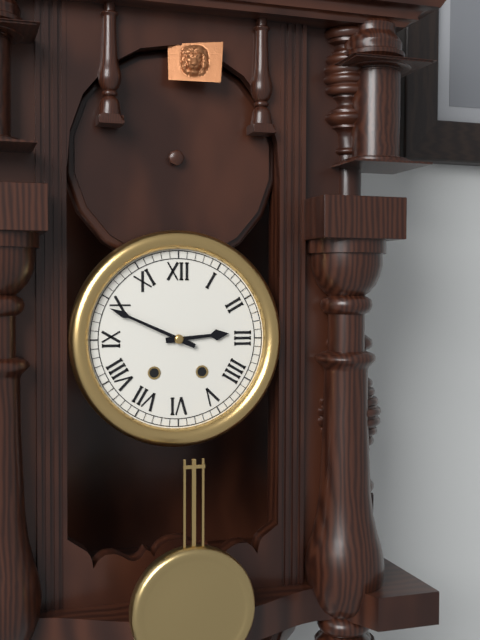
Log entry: 2h49
